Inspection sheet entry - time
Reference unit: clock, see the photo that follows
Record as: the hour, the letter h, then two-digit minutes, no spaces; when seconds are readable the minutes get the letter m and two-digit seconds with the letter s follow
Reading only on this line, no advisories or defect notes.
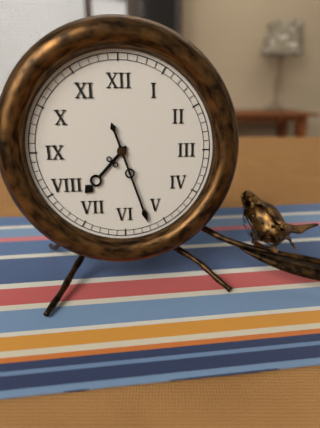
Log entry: 7h27
